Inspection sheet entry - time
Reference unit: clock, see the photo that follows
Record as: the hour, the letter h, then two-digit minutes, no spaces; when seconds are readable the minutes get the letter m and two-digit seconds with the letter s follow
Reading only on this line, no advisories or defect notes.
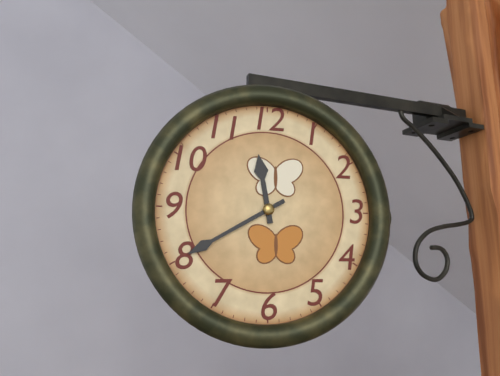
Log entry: 11h40
